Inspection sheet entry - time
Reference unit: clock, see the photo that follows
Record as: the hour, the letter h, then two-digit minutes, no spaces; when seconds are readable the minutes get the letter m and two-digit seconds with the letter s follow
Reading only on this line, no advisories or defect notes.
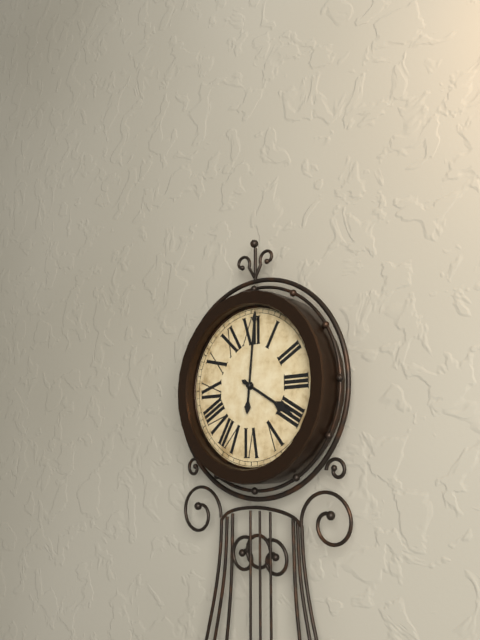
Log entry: 4h01
